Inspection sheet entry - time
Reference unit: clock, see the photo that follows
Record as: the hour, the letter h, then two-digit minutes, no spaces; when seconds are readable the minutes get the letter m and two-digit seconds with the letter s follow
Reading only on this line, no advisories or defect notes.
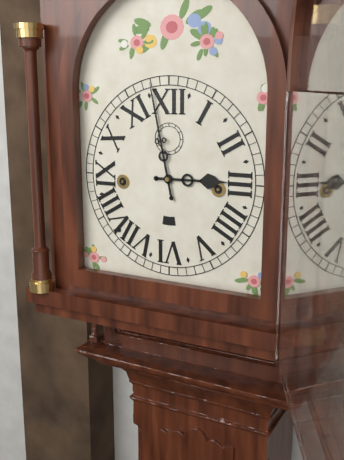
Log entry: 2h58
